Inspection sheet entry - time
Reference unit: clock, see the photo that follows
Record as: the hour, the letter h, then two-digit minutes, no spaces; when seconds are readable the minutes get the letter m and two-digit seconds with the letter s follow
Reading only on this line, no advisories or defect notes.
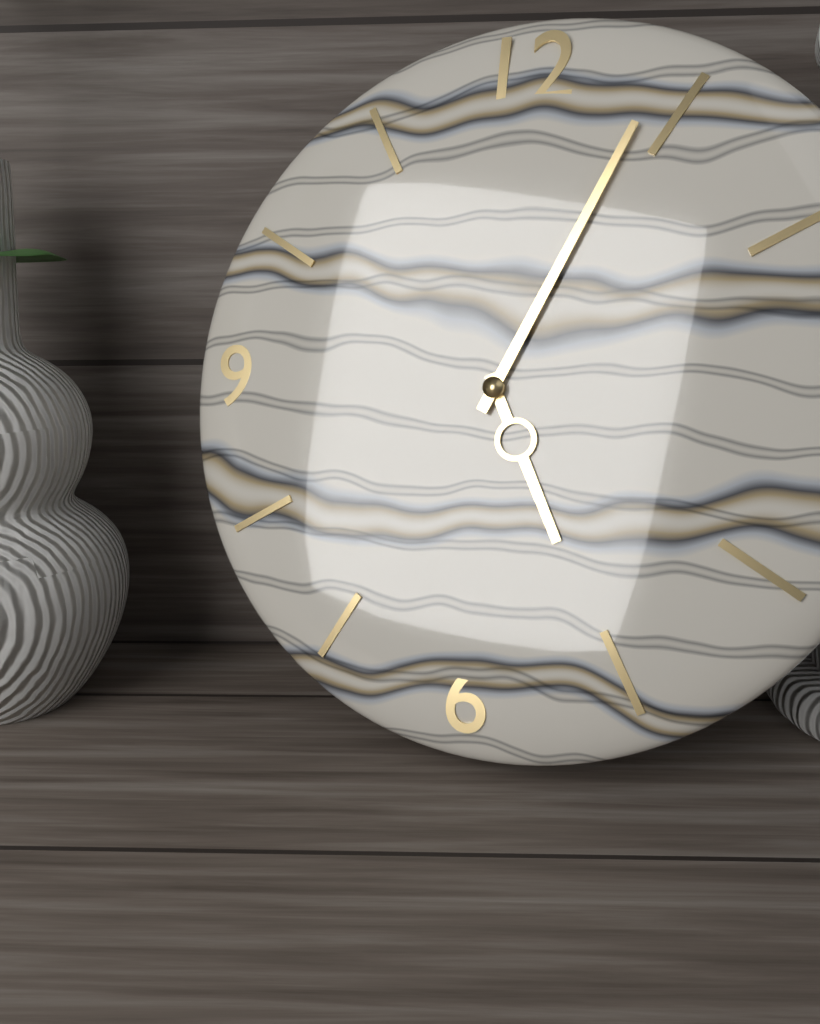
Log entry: 5h04
